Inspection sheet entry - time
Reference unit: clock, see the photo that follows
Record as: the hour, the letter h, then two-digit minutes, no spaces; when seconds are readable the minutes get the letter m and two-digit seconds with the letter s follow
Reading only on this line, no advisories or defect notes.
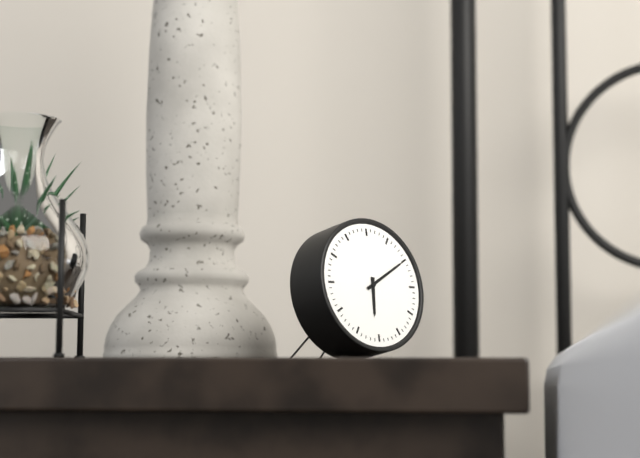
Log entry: 6h10
